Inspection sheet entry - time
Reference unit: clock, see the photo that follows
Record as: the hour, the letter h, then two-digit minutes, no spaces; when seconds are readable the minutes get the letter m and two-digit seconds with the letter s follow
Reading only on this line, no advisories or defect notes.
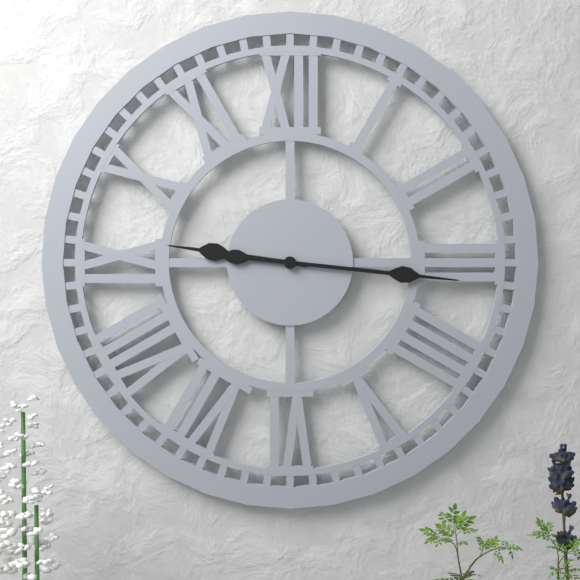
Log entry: 9h16
